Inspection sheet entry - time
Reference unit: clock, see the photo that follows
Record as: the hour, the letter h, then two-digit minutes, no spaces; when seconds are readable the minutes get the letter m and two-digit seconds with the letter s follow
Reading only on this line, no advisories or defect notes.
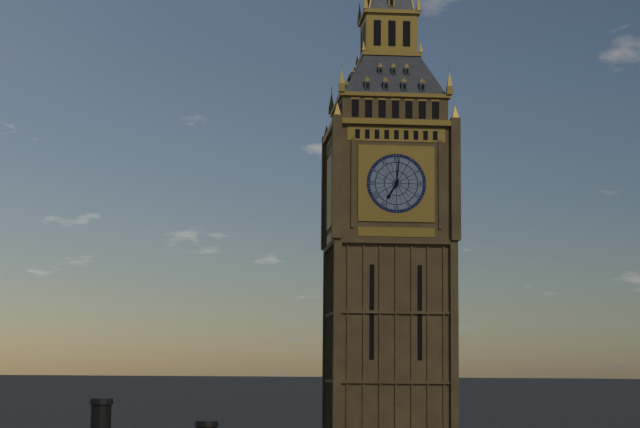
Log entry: 7h01
